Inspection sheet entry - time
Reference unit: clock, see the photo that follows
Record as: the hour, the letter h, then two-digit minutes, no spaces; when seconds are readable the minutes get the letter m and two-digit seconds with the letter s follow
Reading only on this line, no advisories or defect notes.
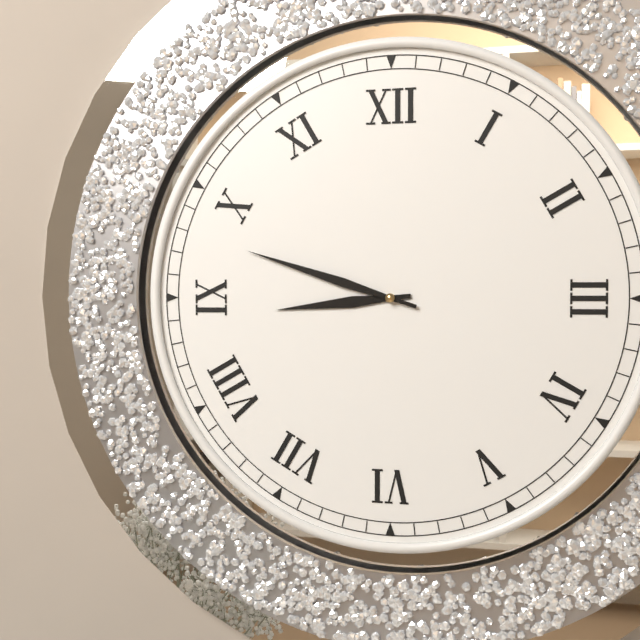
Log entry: 8h48
